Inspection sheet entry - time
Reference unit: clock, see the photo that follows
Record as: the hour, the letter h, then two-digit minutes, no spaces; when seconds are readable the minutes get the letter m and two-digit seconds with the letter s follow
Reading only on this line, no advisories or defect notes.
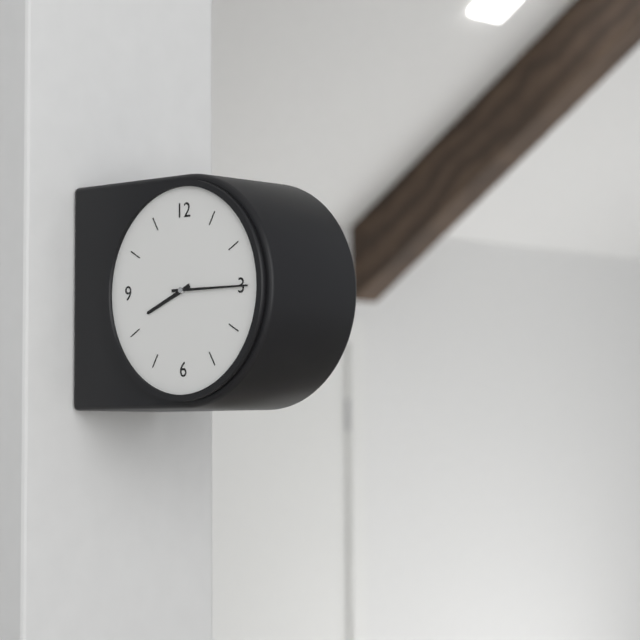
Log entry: 8h15
